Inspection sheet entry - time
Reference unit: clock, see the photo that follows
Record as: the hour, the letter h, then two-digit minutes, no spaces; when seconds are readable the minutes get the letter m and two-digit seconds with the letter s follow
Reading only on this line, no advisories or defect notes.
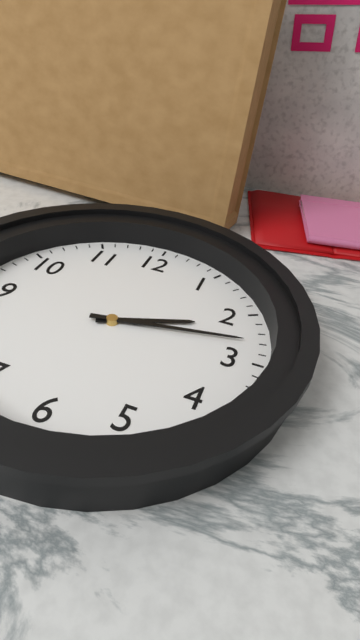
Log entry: 2h13
